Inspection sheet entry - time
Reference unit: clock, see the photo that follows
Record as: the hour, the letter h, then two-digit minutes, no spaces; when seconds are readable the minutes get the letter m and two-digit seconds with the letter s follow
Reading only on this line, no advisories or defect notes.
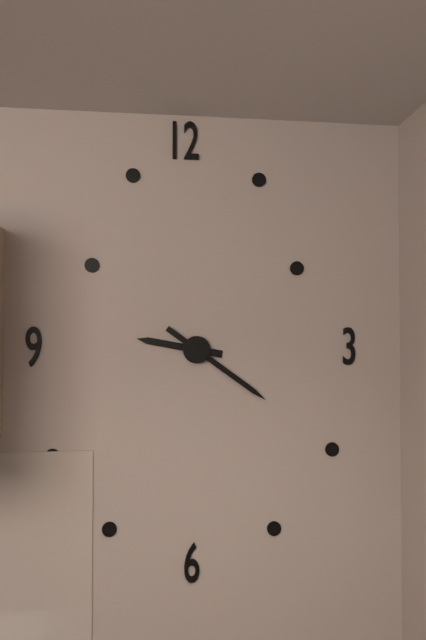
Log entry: 9h21
